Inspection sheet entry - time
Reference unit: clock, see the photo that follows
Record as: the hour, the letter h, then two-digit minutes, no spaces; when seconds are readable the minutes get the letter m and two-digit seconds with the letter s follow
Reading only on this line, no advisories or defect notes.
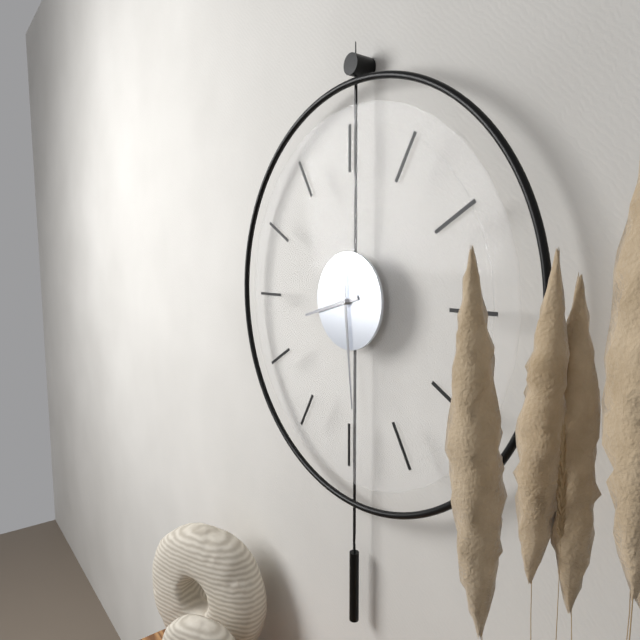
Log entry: 8h29
